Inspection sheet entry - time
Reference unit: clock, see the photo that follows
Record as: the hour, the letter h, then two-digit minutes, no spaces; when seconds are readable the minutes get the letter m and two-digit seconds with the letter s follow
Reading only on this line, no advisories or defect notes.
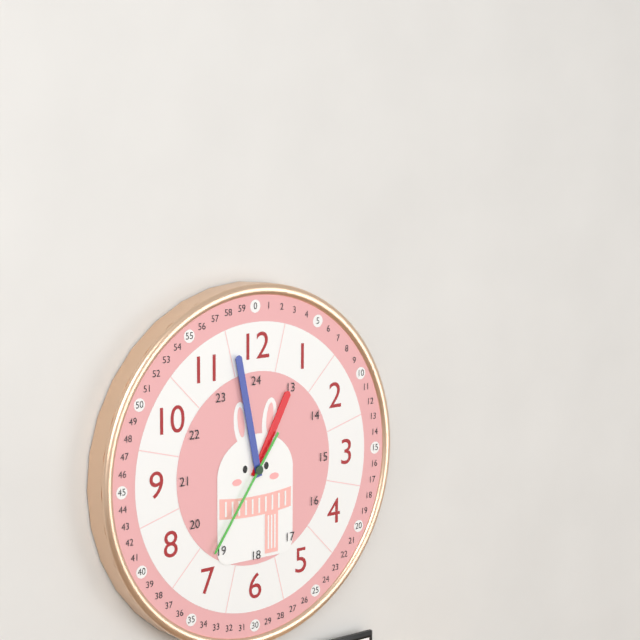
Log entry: 12h58m36s
